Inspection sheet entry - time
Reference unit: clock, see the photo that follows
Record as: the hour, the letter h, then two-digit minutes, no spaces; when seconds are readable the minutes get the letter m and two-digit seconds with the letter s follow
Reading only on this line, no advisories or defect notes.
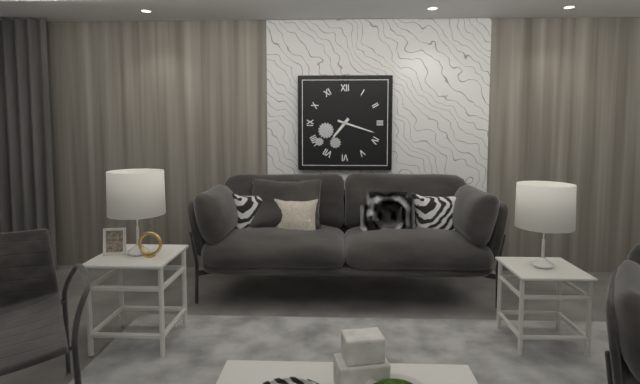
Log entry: 7h18
